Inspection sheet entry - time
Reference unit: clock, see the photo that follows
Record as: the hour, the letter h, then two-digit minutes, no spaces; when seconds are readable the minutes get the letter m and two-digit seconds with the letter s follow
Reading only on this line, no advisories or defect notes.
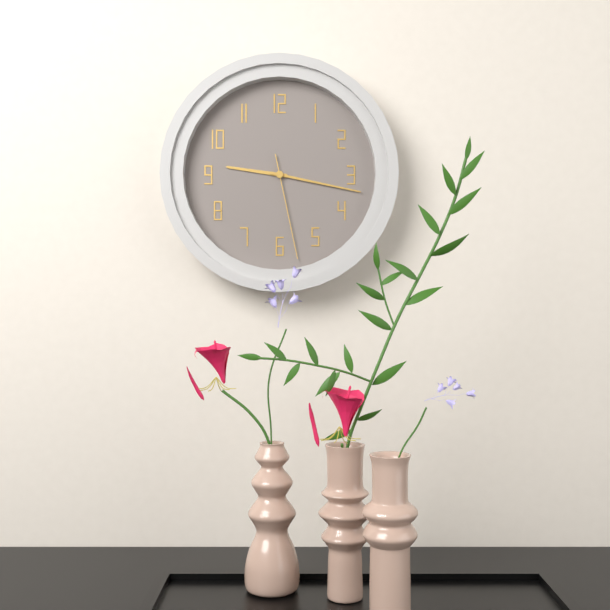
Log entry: 9h17m28s
